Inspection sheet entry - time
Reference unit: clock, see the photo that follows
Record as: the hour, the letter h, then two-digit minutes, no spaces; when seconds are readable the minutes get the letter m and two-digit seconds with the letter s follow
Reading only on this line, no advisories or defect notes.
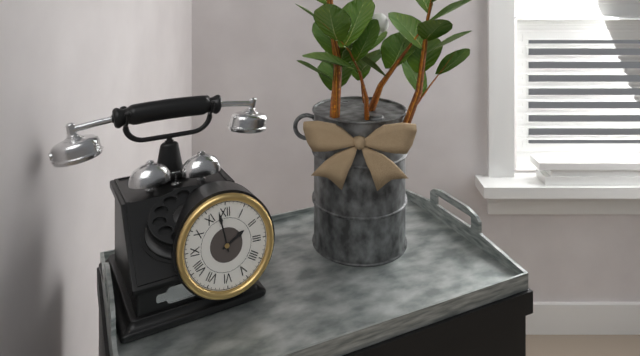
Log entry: 1h58
